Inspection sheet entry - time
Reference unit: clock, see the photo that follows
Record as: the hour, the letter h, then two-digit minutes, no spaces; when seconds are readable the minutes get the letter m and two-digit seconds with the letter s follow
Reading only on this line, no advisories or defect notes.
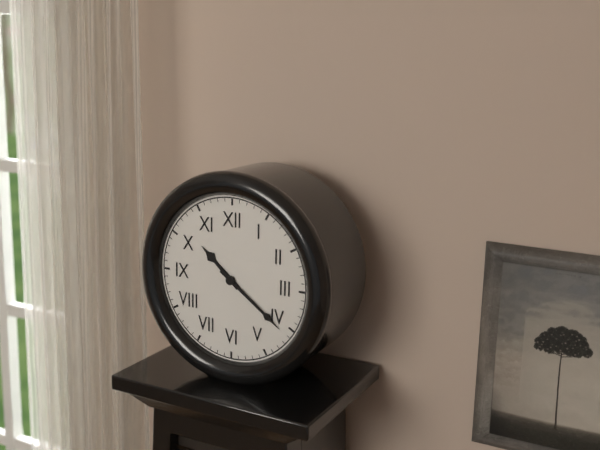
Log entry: 10h21
